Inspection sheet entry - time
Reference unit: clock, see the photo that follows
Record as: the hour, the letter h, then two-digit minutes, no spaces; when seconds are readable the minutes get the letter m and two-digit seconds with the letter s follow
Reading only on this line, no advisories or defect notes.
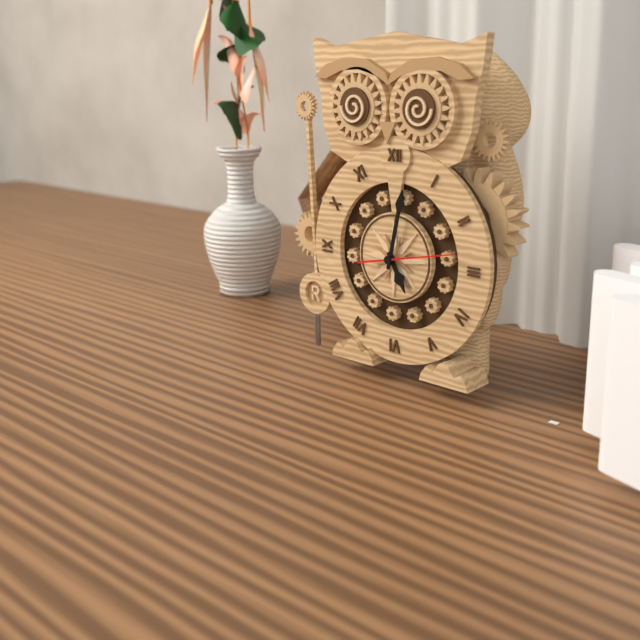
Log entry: 5h02m13s
